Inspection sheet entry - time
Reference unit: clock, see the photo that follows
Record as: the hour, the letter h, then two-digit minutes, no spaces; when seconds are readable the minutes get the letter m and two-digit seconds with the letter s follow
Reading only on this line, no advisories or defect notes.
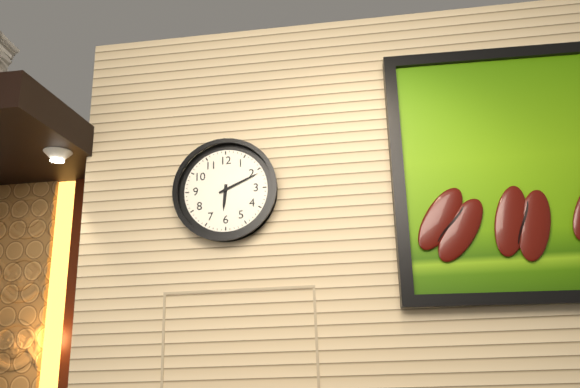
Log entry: 6h11
